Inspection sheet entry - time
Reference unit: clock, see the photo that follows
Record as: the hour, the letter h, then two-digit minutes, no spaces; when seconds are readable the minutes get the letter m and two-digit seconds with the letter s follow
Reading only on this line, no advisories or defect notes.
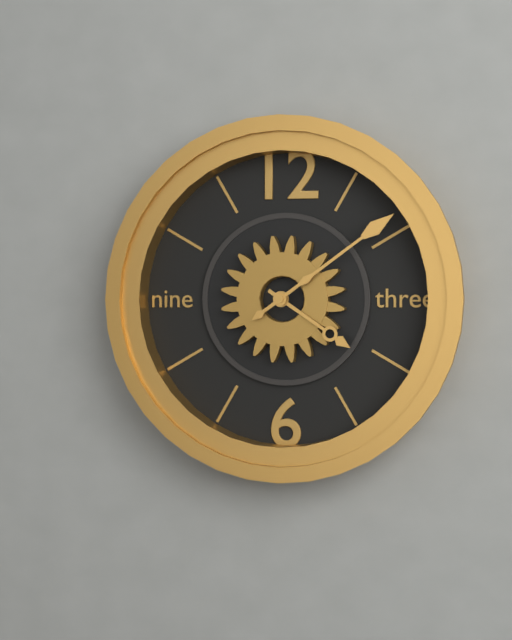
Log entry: 4h09
